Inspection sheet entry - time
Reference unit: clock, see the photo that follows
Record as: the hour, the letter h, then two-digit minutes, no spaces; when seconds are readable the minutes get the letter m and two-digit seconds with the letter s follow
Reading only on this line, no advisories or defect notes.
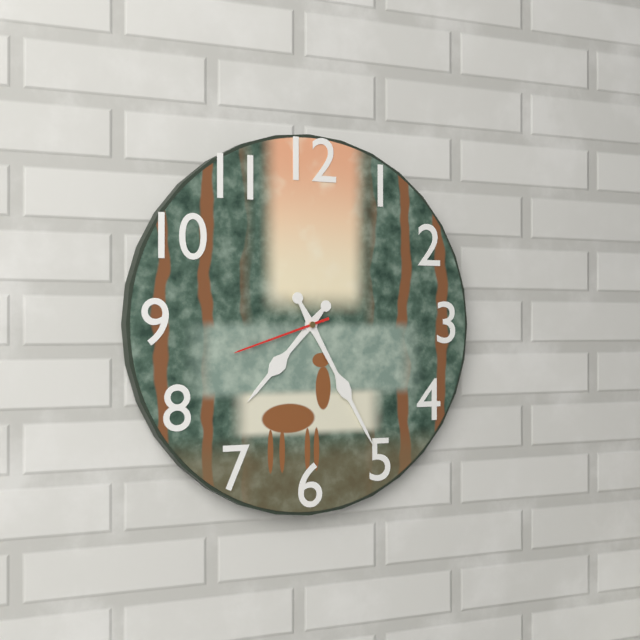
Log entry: 7h25m42s
